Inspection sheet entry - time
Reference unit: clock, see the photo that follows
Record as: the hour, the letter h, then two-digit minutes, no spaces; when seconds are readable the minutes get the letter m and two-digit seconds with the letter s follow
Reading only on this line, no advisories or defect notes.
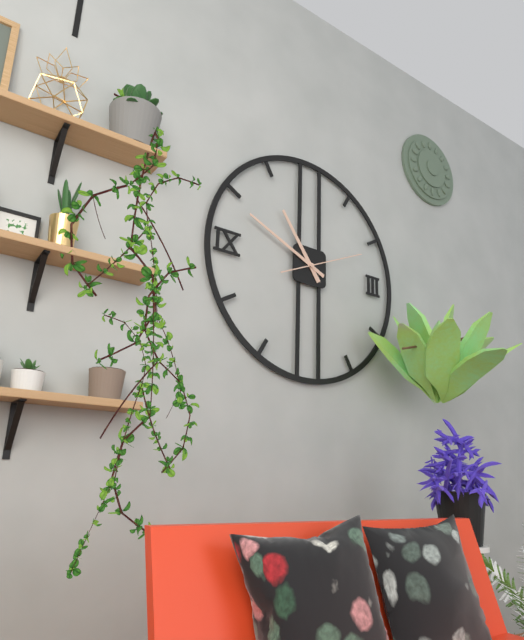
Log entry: 10h49m11s
